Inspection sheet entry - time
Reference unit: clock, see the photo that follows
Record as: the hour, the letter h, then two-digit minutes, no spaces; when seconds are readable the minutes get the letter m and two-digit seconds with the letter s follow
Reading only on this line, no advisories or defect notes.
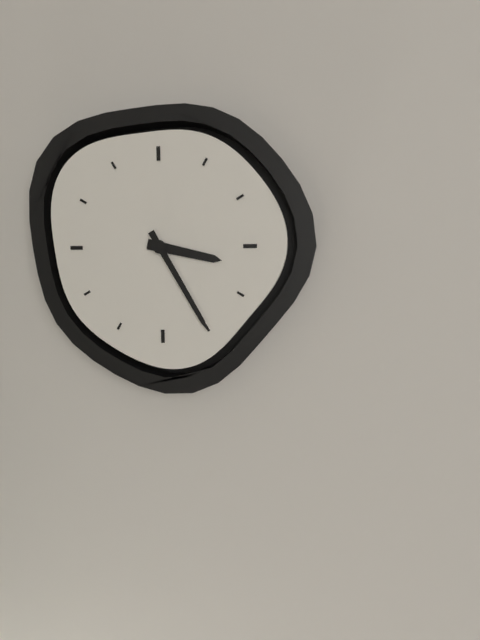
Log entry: 3h25
